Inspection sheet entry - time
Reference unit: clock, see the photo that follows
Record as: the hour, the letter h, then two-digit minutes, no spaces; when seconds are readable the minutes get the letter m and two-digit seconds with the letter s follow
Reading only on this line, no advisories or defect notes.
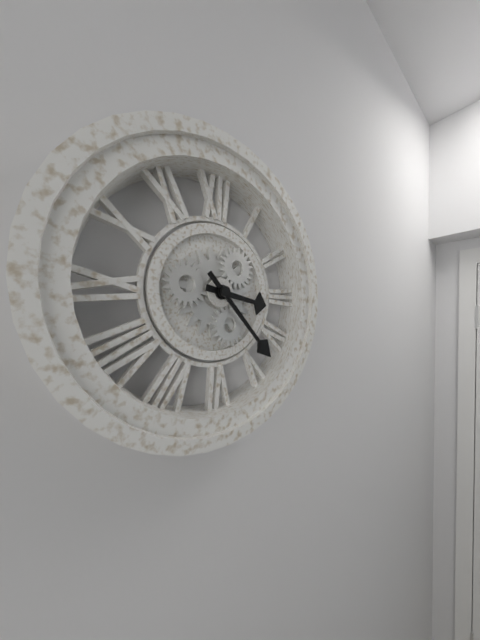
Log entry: 3h23
